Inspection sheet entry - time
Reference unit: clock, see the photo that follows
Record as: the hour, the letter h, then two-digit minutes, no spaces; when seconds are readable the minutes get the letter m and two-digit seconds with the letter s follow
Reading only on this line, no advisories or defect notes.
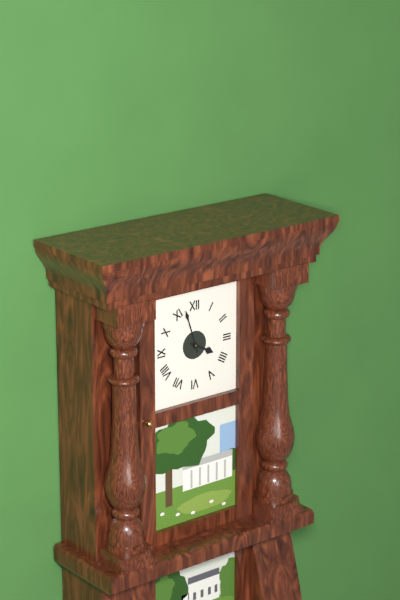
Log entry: 3h57
